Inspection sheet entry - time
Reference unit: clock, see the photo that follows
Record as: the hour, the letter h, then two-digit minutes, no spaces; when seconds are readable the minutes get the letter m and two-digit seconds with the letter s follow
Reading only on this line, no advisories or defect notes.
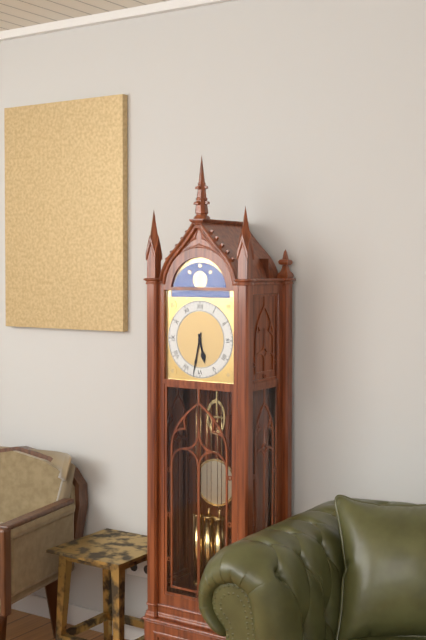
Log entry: 5h32
